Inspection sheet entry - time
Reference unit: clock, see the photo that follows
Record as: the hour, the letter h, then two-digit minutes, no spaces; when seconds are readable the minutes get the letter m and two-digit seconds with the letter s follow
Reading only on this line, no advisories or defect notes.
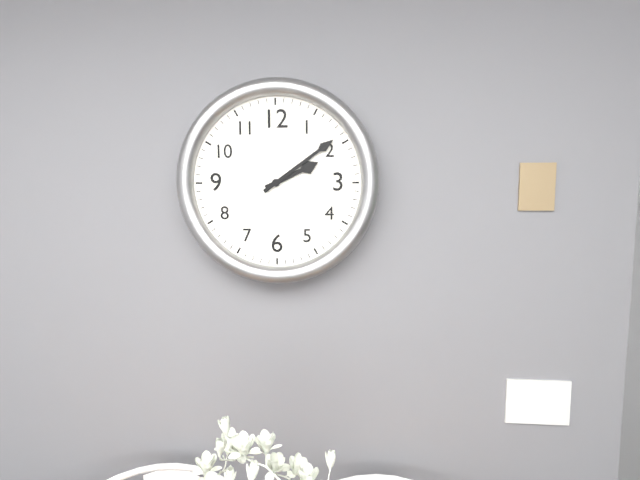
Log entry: 2h09
